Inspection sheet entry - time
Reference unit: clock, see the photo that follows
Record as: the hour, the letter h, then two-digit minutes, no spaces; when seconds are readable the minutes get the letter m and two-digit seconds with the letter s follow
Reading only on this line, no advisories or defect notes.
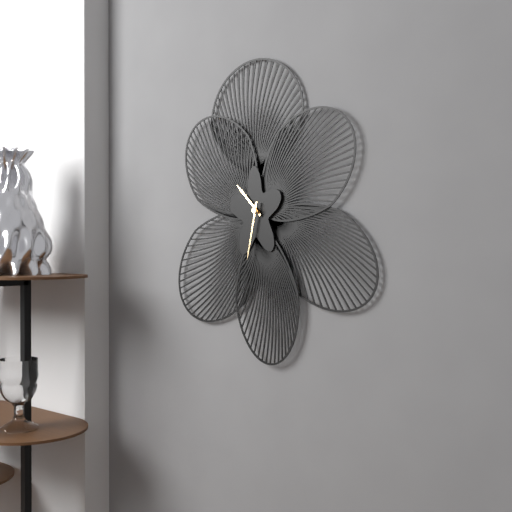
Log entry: 10h32
